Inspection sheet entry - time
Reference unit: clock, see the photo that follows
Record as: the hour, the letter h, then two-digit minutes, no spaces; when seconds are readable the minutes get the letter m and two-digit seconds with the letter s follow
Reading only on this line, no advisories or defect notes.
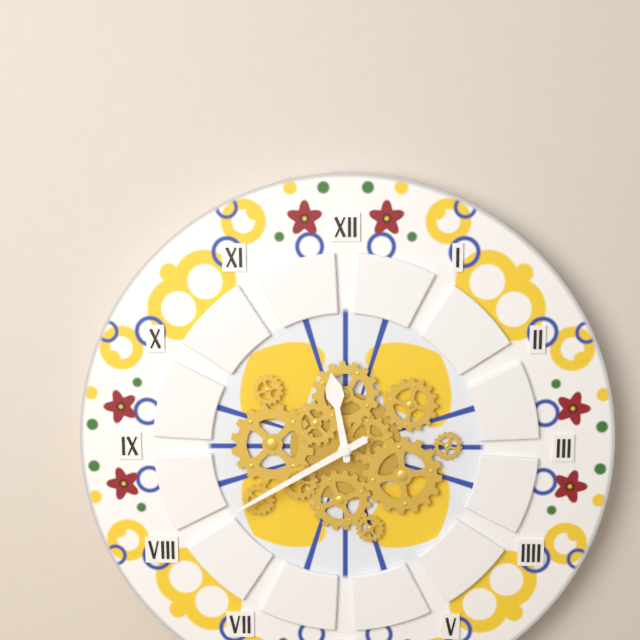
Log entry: 11h40
